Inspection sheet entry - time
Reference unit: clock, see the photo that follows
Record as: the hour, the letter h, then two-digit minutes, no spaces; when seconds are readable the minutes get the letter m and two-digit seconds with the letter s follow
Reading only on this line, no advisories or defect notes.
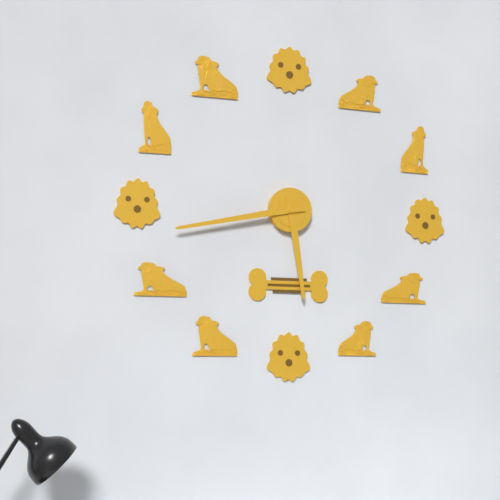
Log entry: 5h43
